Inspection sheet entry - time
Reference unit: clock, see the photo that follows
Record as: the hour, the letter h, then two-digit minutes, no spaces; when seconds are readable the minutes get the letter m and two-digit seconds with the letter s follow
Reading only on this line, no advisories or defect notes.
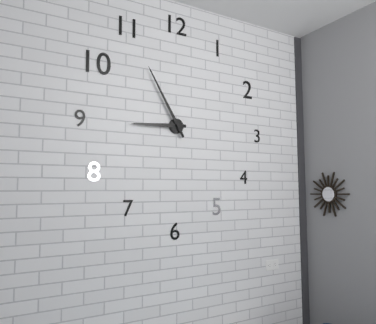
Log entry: 8h55
